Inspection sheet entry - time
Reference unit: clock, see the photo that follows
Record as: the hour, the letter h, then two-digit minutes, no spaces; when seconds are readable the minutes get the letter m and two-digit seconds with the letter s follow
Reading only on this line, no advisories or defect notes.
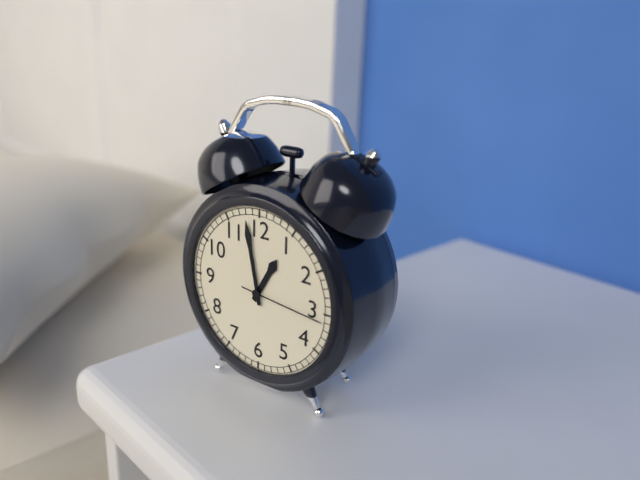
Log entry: 12h58m16s
